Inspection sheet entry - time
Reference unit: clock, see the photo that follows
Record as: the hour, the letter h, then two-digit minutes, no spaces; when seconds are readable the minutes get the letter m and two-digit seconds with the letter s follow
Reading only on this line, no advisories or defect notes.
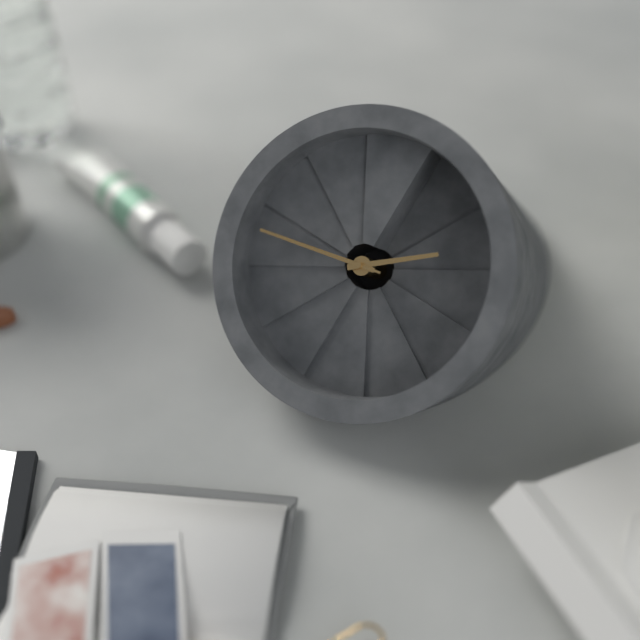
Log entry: 1h43m43s
